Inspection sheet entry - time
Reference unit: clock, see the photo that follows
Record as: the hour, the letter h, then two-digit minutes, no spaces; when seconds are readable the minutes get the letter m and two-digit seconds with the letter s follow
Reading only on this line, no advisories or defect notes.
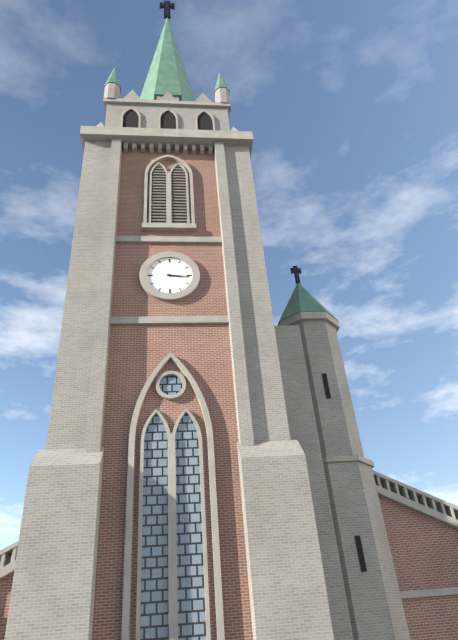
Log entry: 3h16
